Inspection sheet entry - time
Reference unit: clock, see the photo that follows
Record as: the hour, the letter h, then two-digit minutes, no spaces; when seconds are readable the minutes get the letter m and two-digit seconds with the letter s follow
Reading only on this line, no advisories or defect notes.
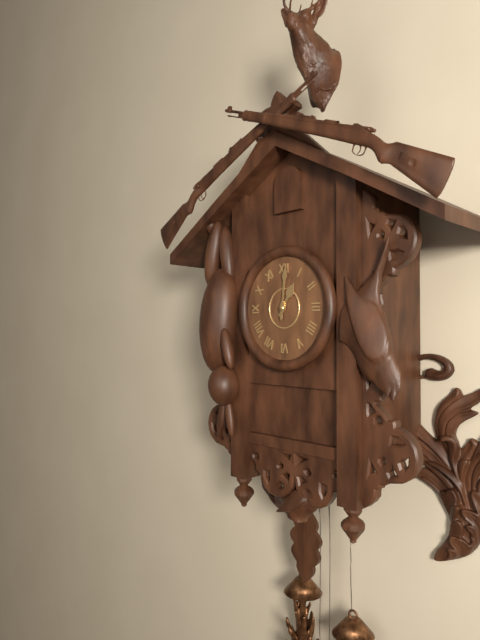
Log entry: 1h01
